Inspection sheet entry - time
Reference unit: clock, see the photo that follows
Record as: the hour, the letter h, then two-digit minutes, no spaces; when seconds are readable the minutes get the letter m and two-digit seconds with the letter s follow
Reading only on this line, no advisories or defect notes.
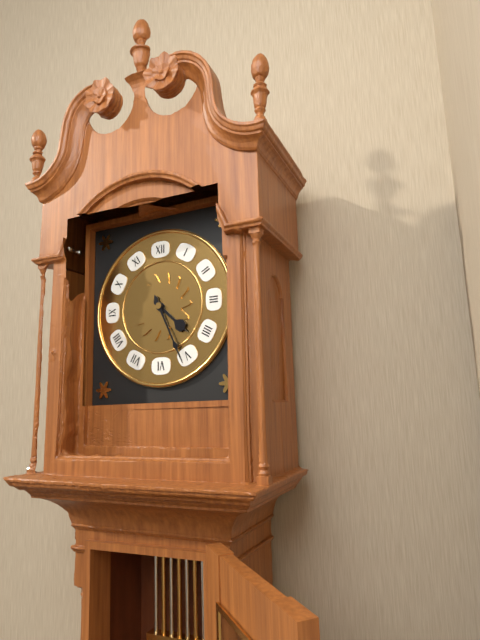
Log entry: 4h26
